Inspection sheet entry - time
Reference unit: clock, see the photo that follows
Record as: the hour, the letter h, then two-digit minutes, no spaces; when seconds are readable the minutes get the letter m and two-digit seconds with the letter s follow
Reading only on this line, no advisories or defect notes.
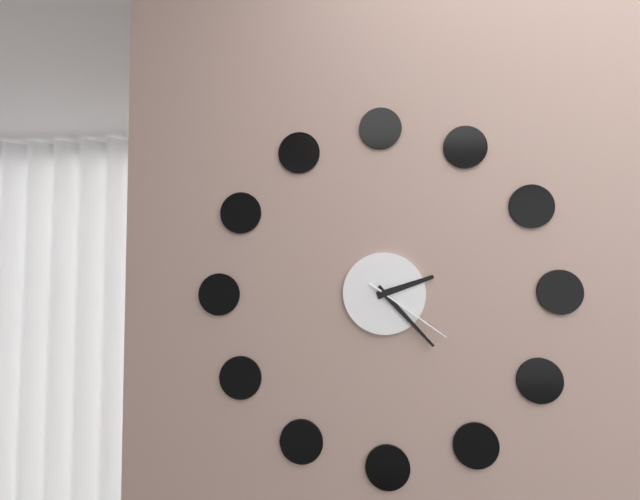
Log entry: 2h23m21s
